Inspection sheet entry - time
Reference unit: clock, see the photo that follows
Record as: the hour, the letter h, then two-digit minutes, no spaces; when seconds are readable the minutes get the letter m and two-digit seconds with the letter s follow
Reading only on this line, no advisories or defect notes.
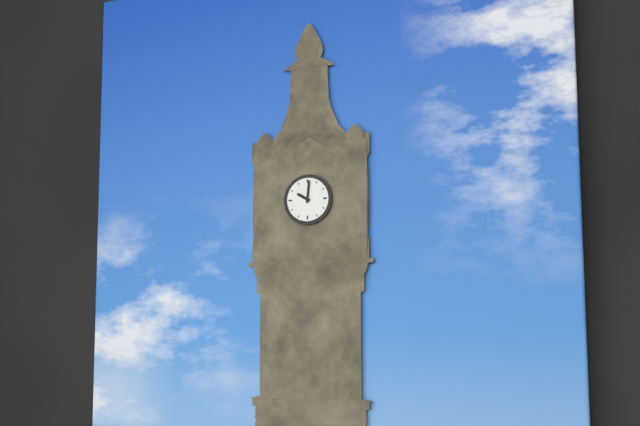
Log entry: 10h01
